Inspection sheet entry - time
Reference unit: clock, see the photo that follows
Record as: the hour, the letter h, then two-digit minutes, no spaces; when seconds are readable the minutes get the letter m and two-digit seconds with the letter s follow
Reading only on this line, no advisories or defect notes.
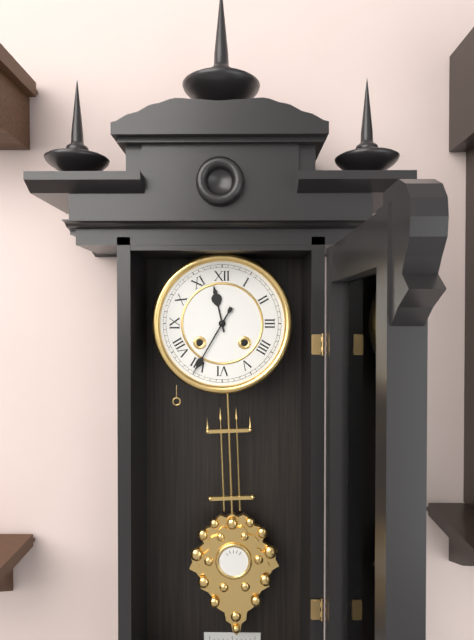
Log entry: 11h35
